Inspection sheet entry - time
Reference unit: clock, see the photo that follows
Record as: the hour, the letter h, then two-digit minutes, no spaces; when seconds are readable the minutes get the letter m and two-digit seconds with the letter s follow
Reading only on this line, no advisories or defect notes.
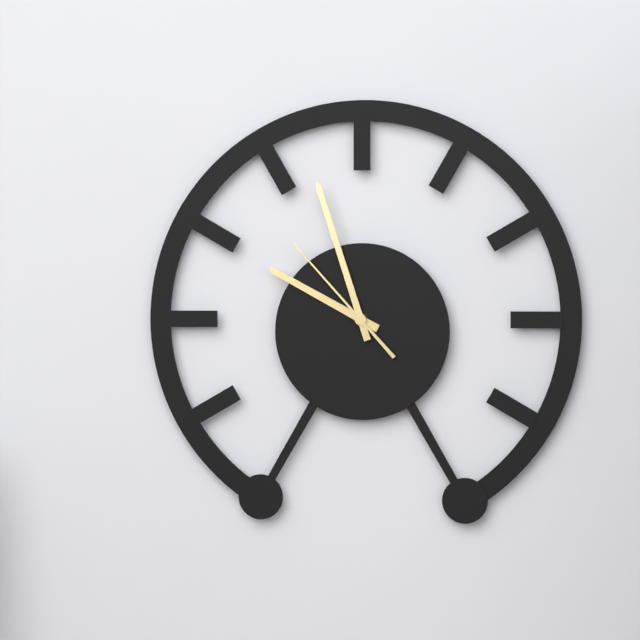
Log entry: 9h57m53s
